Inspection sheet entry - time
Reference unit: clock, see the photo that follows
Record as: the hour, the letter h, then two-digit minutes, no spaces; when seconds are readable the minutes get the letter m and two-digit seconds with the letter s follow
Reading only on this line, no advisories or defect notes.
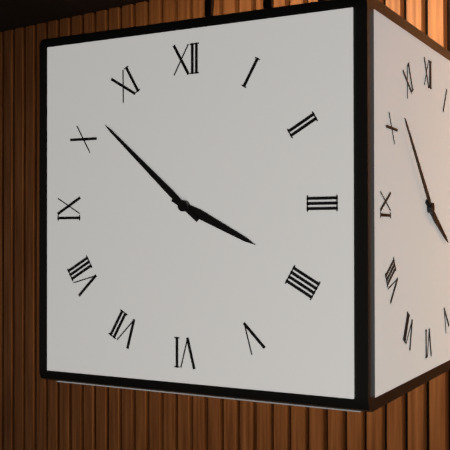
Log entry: 3h52
